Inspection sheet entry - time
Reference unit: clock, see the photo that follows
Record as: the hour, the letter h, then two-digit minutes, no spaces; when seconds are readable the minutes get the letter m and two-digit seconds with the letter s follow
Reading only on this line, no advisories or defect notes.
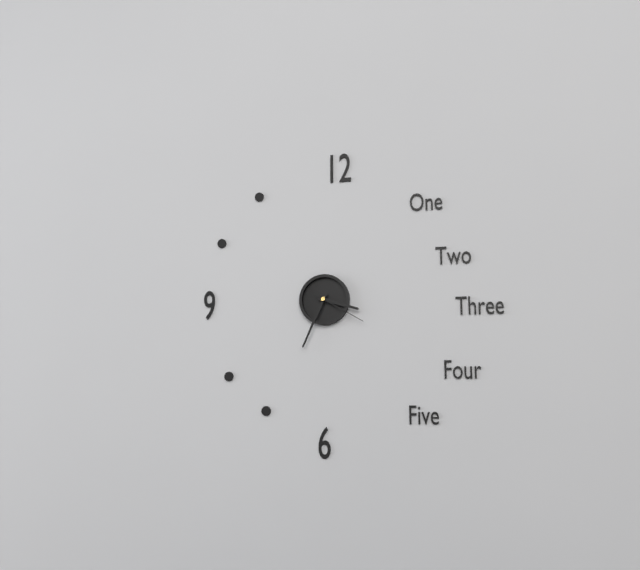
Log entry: 3h34m20s
